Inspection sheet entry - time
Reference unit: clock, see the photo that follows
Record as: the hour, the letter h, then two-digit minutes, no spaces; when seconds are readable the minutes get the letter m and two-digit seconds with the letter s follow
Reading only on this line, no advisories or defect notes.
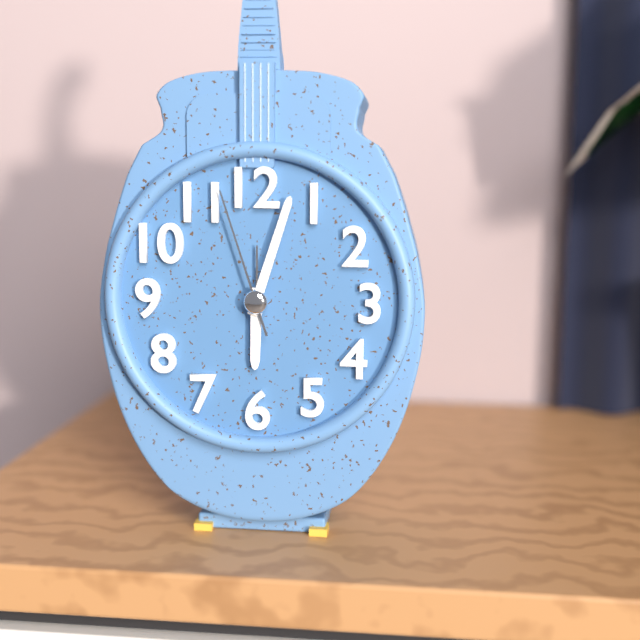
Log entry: 6h03m57s
